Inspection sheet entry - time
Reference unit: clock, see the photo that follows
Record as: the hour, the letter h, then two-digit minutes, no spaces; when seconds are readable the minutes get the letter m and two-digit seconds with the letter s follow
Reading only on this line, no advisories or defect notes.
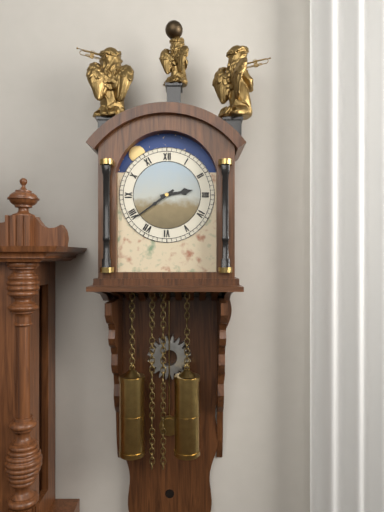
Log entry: 2h39
